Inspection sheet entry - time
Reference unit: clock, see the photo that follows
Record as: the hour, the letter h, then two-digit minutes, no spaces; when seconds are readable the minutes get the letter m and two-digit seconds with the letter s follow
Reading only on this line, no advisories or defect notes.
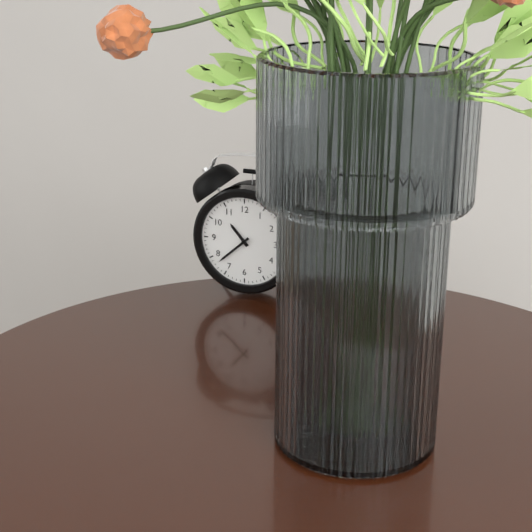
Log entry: 10h38
